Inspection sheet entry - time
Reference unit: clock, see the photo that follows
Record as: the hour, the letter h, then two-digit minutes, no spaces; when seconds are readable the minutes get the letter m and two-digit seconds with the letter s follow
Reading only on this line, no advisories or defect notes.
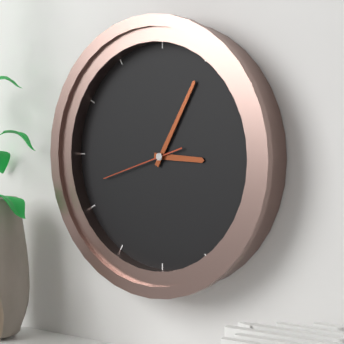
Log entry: 3h05m42s
